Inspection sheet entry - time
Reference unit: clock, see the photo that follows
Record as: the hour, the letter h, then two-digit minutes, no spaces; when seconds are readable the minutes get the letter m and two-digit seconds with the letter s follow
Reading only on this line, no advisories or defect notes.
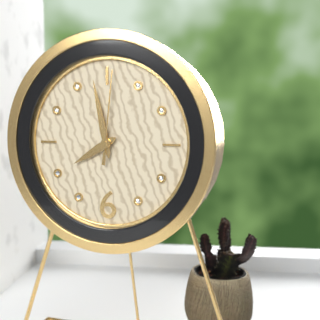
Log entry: 7h58m01s
